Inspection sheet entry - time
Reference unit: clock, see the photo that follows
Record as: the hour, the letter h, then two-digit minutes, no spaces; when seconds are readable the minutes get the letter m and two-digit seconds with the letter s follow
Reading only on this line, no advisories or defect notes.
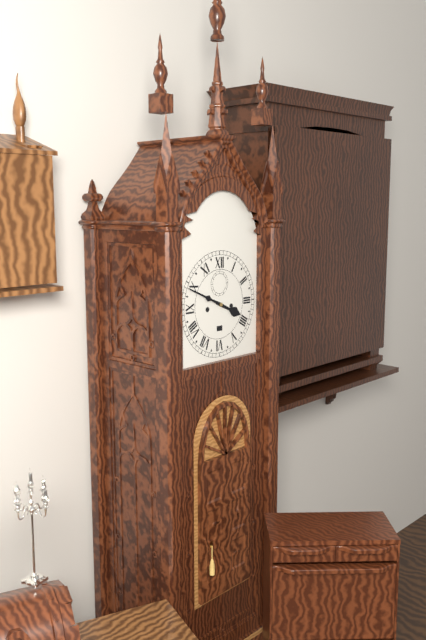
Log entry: 3h49
